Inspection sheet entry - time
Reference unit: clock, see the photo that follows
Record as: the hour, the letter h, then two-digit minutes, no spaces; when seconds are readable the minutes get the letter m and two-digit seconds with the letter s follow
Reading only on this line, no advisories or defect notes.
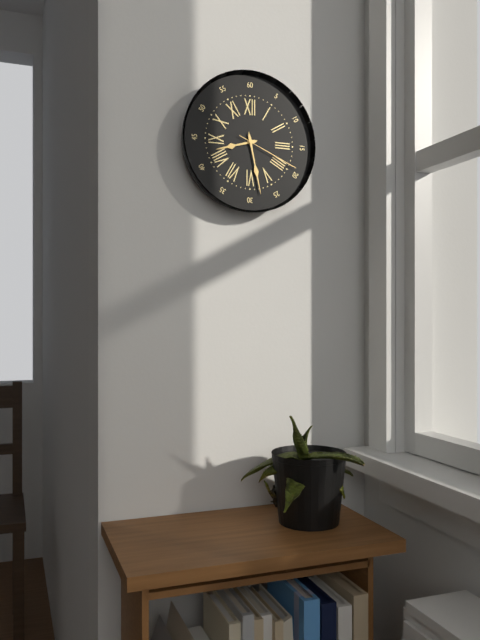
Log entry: 8h28m19s
